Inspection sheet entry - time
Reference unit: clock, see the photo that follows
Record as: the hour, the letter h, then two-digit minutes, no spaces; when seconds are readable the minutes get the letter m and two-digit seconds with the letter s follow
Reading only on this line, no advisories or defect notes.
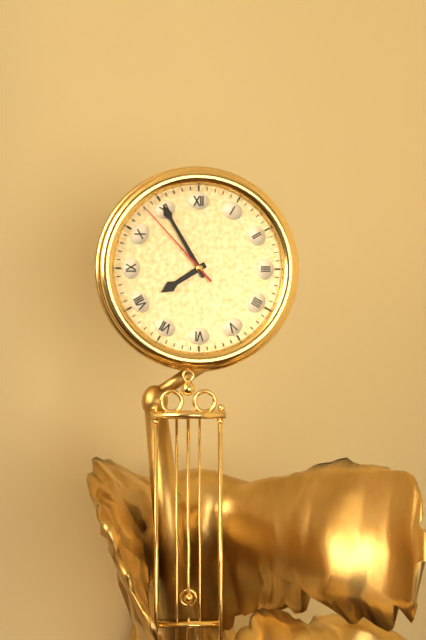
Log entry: 7h55m53s
